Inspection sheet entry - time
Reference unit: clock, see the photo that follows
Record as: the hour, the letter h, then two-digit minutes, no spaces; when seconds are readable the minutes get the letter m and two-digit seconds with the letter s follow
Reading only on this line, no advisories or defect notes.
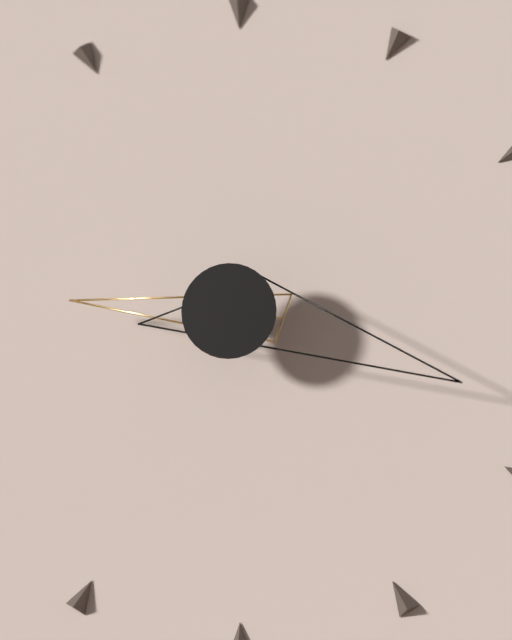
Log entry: 9h18
